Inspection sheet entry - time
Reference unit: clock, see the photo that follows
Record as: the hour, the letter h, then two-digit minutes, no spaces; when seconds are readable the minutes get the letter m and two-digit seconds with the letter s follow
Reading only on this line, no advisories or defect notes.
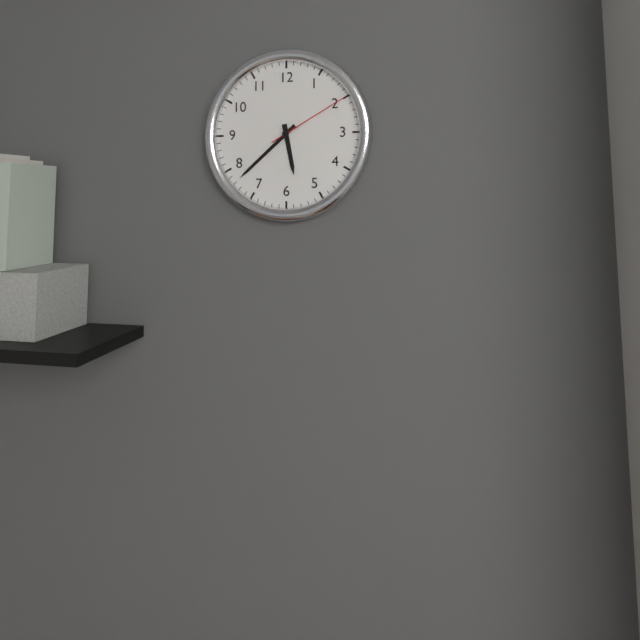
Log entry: 5h38m10s
